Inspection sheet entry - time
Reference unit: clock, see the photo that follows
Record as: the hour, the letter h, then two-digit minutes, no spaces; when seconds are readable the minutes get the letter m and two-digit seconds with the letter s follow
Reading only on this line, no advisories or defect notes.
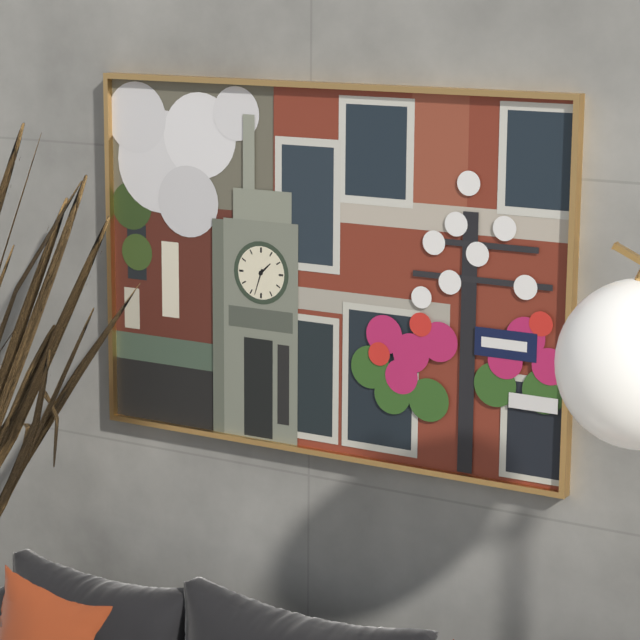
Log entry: 1h33
